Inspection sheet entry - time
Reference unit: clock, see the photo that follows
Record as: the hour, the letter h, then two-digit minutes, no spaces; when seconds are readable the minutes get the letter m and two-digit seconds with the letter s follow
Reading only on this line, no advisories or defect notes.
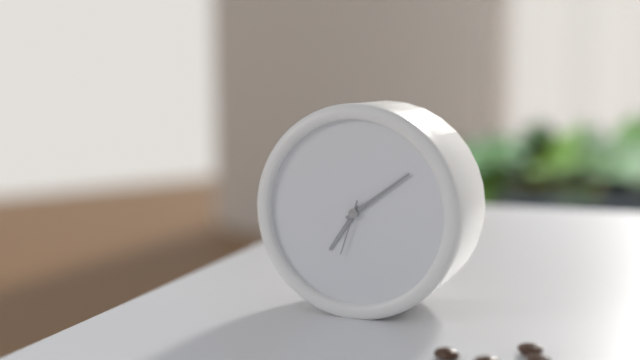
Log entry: 7h09m33s
